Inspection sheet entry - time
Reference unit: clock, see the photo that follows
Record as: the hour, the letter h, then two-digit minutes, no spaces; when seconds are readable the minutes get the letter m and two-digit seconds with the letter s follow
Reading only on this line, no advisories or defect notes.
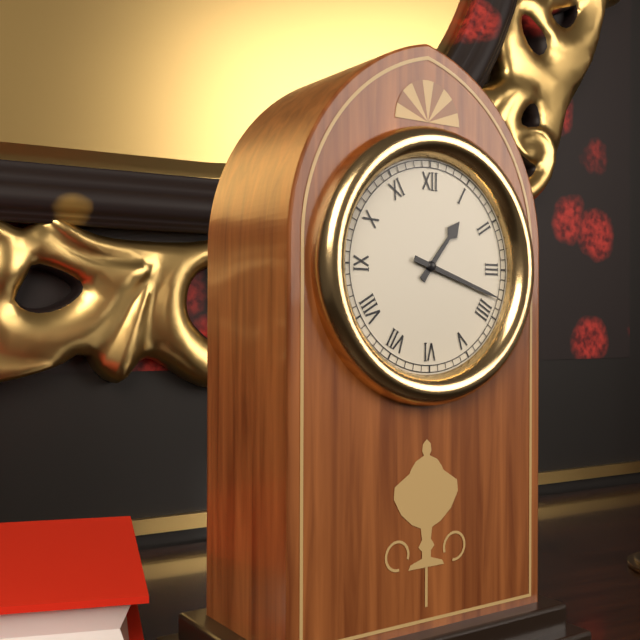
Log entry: 1h18
